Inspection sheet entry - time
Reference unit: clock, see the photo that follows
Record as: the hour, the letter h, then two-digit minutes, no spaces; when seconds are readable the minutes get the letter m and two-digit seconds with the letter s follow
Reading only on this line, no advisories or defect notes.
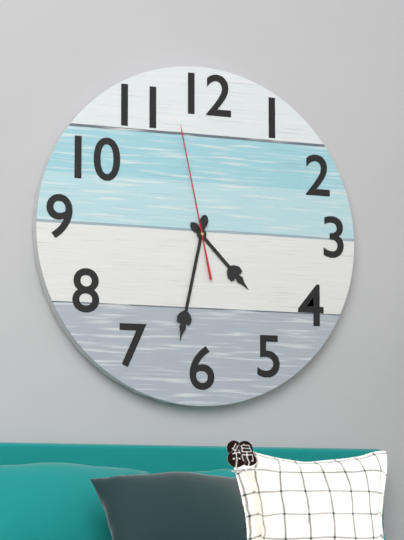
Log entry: 4h32m58s
